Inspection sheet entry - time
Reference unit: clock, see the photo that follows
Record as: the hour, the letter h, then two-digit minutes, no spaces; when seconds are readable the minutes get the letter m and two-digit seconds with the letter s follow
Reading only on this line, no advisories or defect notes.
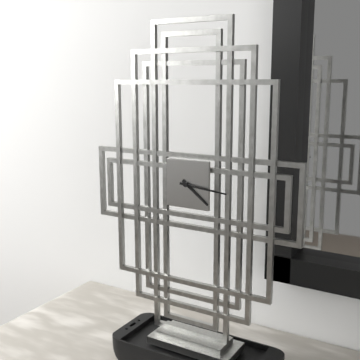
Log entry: 4h16
